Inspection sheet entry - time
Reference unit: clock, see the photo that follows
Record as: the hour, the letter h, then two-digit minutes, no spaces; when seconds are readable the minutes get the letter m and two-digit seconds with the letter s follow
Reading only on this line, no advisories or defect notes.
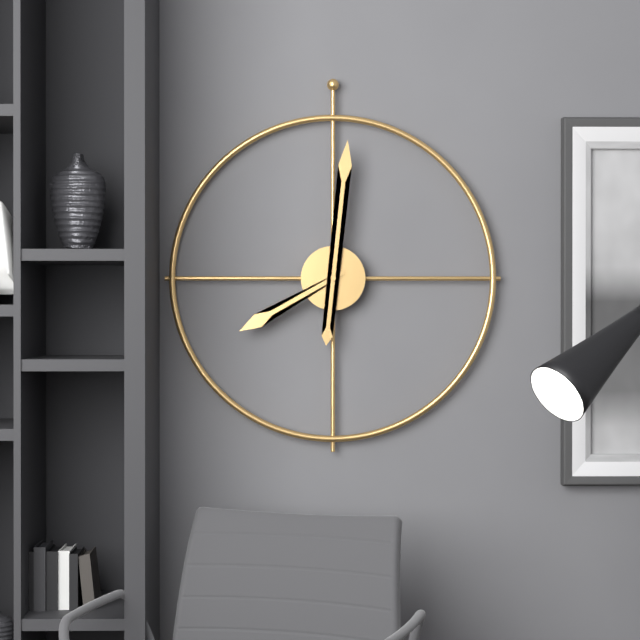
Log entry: 8h01
